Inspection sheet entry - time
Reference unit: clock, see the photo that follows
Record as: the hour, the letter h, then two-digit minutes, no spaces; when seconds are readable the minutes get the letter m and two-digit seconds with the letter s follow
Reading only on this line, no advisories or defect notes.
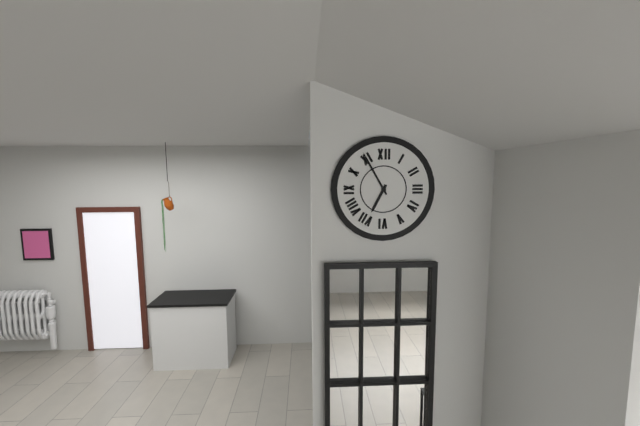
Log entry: 6h55
